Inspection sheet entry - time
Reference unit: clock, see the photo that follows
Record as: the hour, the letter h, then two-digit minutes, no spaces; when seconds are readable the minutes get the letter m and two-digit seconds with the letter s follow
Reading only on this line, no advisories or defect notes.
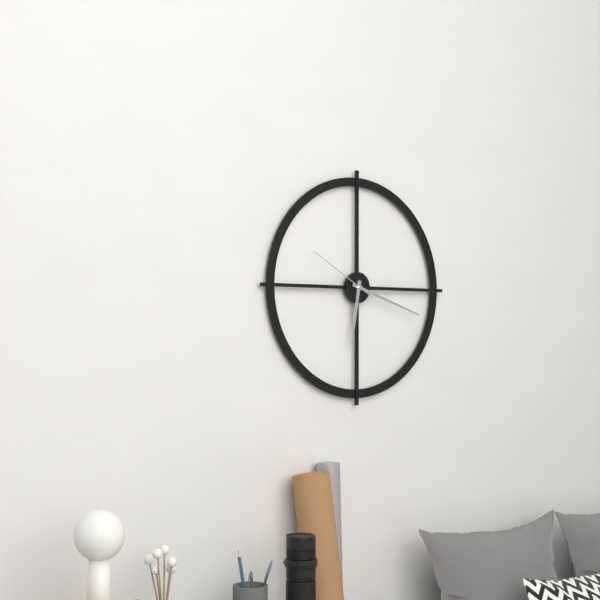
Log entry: 6h18m50s
